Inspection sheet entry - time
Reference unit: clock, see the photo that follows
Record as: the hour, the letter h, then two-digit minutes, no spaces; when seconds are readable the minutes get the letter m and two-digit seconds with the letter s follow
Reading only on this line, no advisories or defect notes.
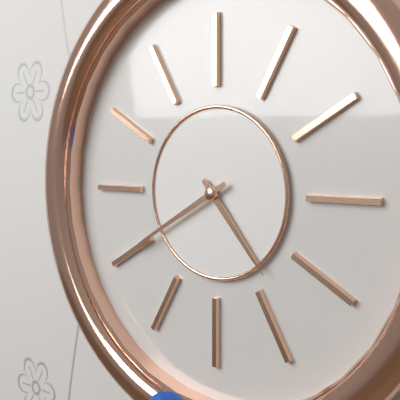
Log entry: 4h40
